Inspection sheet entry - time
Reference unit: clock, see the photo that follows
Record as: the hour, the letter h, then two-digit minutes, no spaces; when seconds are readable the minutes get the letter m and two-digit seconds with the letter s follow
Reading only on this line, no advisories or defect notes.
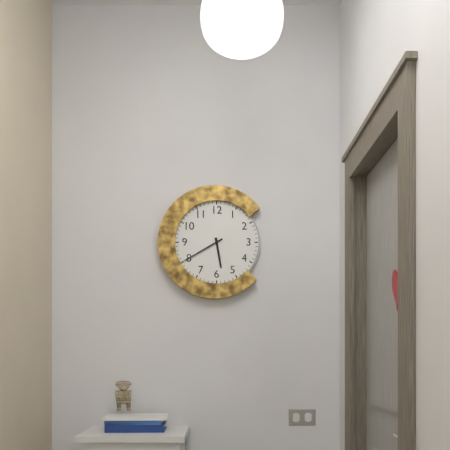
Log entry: 5h40
